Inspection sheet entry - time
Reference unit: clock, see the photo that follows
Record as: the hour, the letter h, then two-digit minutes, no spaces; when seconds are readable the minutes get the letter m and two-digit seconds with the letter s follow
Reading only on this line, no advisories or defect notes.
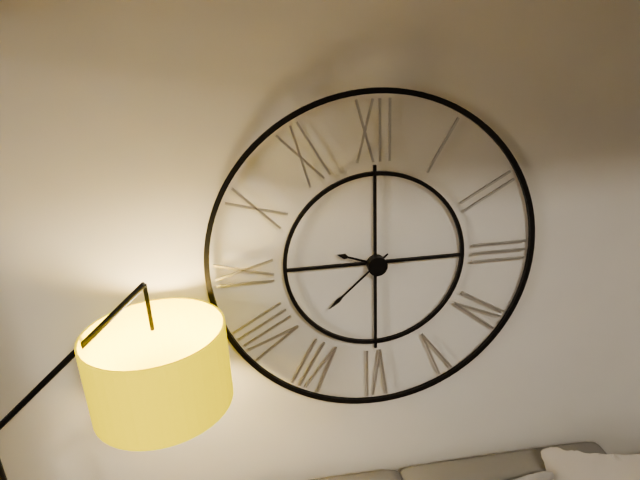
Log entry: 9h38
